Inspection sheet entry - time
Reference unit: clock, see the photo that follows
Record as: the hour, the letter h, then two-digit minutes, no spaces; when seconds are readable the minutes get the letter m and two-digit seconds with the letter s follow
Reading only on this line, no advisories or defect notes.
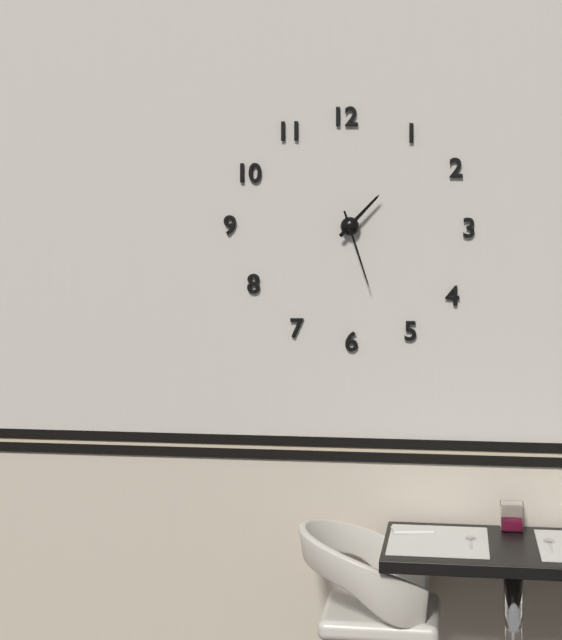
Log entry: 1h27
